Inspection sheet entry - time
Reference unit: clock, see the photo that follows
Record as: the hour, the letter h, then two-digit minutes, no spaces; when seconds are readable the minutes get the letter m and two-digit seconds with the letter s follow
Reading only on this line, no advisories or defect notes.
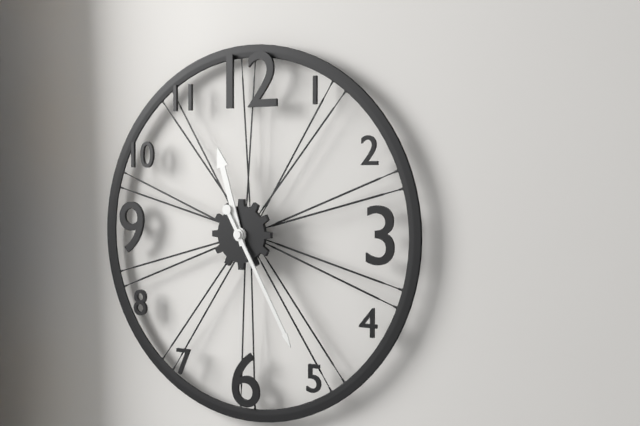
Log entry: 11h25
